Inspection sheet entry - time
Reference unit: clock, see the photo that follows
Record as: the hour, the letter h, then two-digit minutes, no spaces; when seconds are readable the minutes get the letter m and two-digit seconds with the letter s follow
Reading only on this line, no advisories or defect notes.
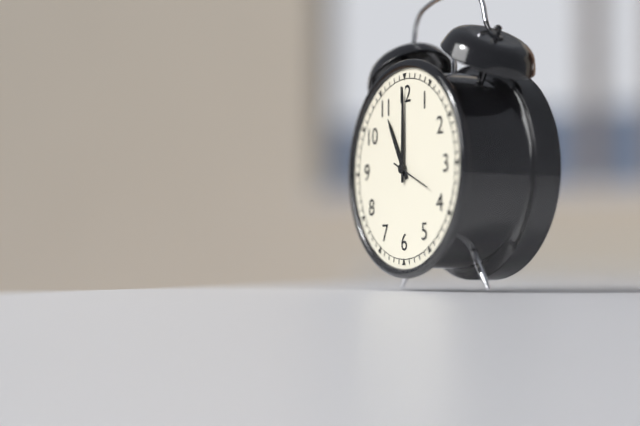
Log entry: 11h00
